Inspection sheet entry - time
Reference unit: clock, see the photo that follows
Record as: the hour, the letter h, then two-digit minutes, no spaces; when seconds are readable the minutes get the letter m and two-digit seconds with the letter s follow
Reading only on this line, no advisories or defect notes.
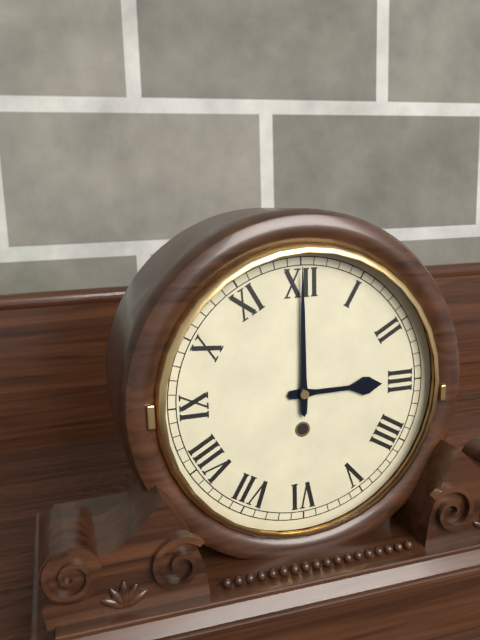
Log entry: 3h00
